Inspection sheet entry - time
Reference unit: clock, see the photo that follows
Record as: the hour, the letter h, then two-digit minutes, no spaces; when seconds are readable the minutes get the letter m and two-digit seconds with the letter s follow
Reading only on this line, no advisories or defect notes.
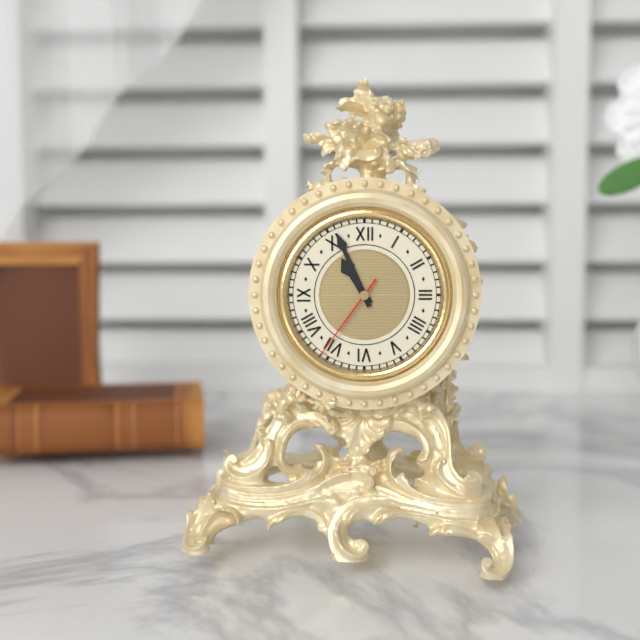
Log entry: 10h56m36s
